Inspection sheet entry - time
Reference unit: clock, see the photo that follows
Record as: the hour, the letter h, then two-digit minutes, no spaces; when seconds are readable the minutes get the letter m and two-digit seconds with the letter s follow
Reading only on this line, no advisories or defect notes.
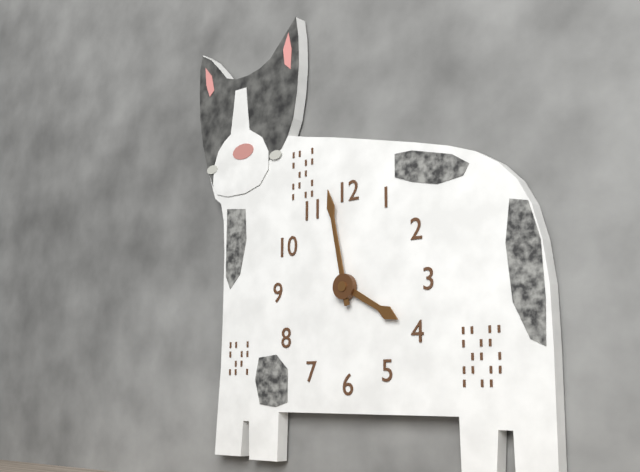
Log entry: 3h58
